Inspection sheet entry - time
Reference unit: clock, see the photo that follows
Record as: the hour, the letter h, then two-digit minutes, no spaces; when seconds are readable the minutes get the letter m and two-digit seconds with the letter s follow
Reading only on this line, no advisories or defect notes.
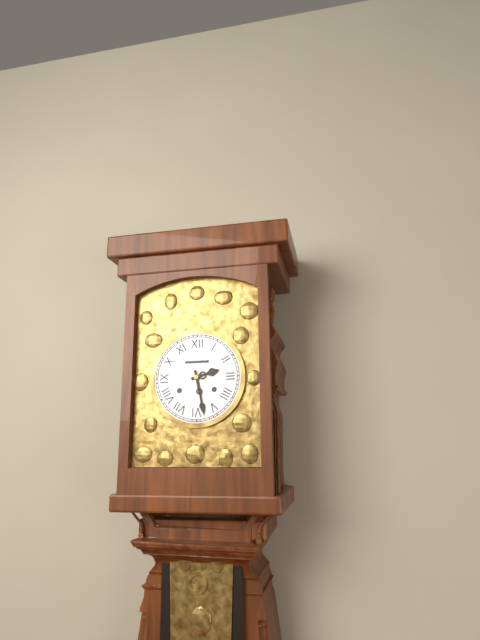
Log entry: 2h28
